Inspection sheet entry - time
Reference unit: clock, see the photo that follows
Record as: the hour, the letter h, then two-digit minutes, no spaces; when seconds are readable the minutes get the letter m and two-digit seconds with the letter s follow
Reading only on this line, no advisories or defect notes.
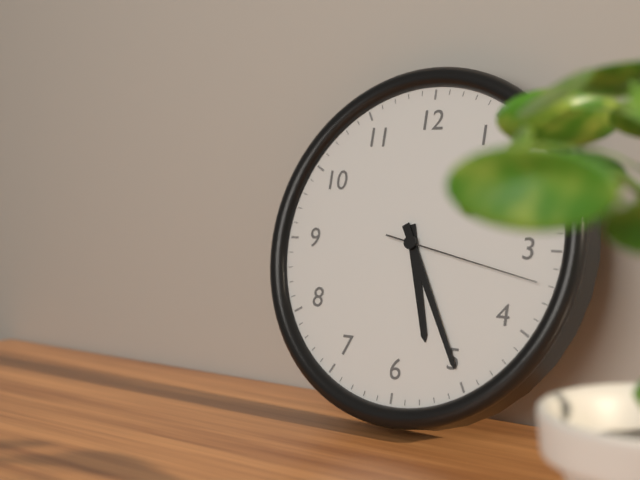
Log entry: 5h25m17s
